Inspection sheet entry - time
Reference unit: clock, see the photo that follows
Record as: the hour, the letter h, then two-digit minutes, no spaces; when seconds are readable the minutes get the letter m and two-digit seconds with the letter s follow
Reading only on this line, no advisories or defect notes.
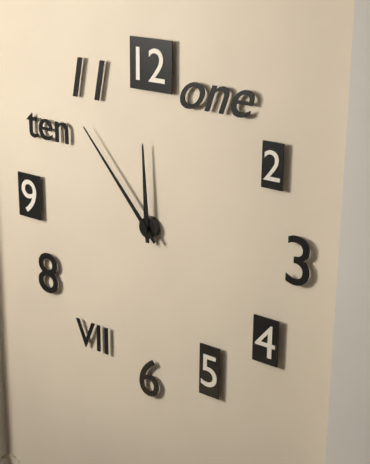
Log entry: 11h53
